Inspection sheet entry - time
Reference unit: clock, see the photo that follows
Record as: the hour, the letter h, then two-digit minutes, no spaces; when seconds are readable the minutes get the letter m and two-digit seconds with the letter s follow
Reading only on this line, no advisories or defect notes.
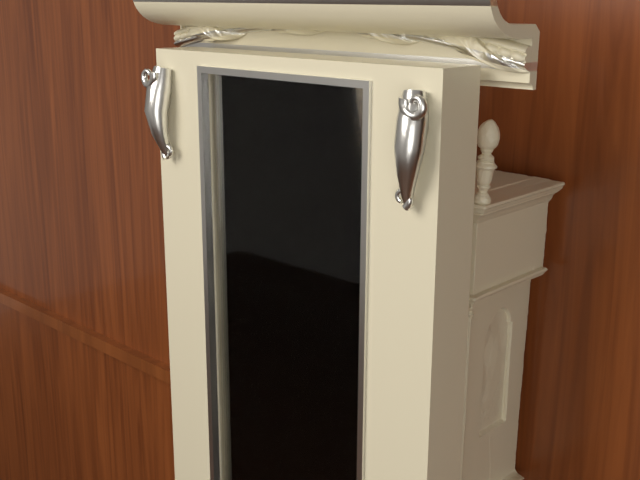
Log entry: 7h58
